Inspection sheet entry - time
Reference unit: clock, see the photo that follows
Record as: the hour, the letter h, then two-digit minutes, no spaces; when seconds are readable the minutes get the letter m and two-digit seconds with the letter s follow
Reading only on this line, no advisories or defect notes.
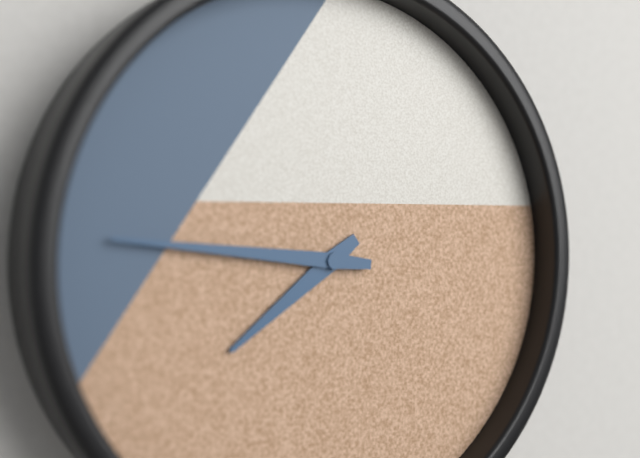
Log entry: 7h46
